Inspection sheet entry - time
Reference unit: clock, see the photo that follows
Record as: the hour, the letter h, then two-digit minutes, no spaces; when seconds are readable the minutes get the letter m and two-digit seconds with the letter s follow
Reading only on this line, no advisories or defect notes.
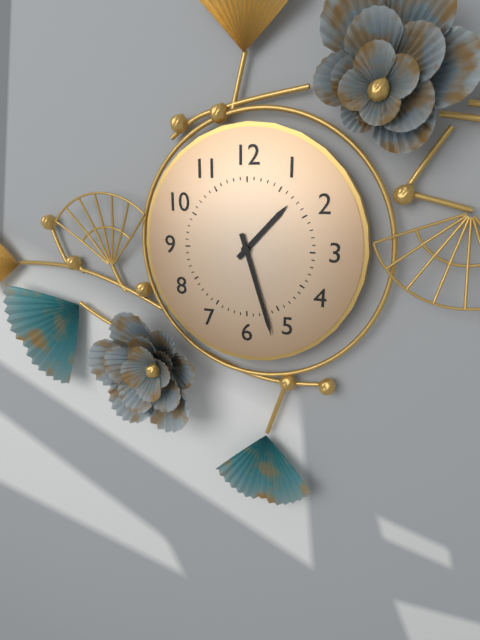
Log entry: 1h27
